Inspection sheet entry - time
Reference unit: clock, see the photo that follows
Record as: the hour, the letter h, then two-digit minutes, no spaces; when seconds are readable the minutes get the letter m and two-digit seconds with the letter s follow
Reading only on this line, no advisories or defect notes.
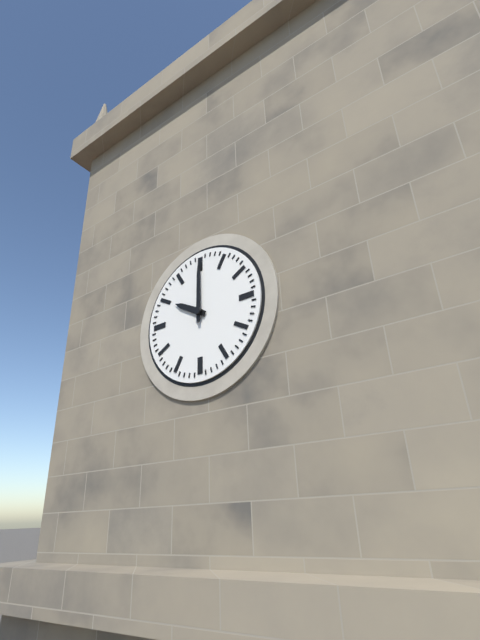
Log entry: 10h00
